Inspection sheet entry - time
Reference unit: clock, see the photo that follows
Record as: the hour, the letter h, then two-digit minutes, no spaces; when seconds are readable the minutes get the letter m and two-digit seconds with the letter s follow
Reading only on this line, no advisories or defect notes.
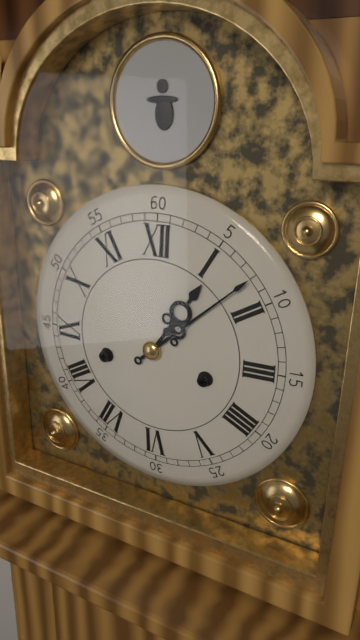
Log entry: 1h08
